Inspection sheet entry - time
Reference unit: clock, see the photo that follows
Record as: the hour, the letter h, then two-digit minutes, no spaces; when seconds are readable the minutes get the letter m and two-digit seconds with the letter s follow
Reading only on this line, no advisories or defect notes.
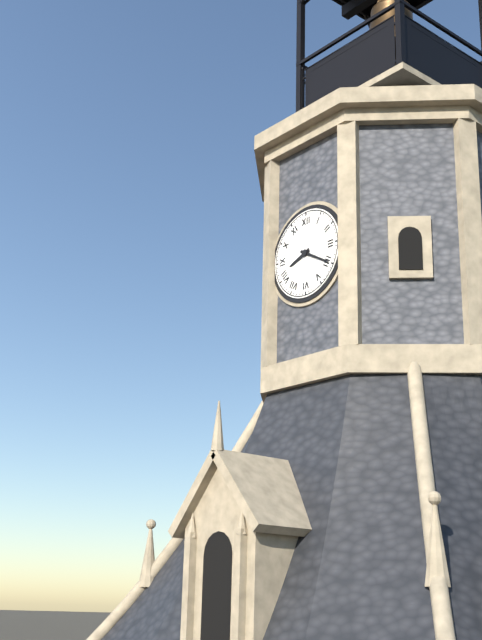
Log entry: 8h20
